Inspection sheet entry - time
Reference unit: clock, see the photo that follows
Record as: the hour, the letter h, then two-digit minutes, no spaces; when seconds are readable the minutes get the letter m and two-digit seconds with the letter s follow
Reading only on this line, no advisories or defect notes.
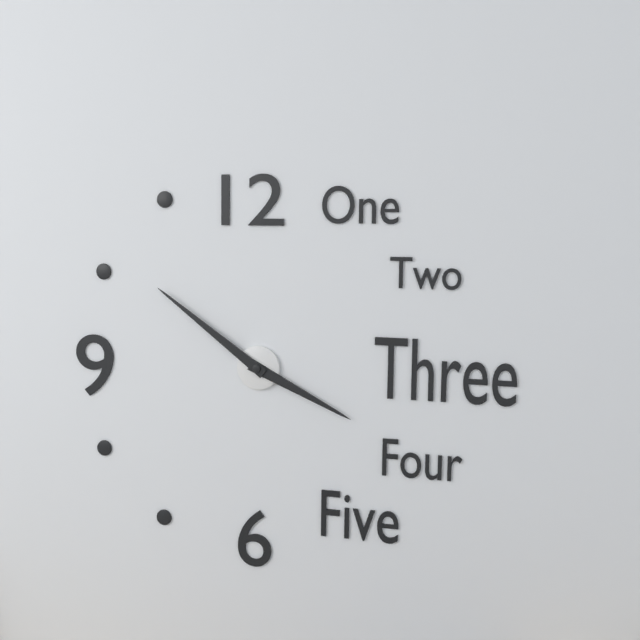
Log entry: 3h51
